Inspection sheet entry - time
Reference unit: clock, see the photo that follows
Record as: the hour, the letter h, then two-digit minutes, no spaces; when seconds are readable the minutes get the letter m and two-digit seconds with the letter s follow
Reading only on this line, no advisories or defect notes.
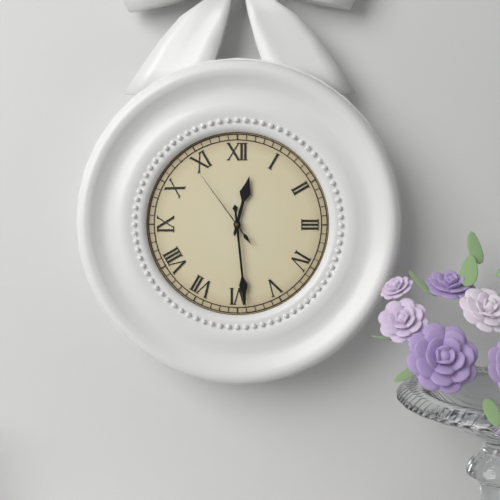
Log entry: 12h29m54s
